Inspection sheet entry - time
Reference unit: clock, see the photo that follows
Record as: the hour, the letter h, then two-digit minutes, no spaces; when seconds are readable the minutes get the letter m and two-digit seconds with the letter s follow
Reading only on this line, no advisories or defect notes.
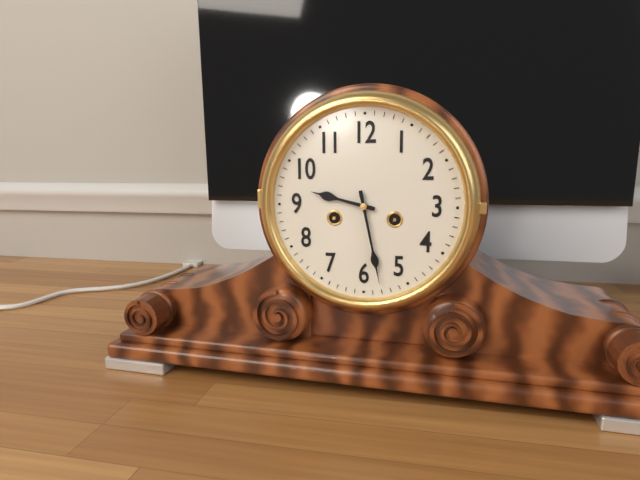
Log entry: 9h28
